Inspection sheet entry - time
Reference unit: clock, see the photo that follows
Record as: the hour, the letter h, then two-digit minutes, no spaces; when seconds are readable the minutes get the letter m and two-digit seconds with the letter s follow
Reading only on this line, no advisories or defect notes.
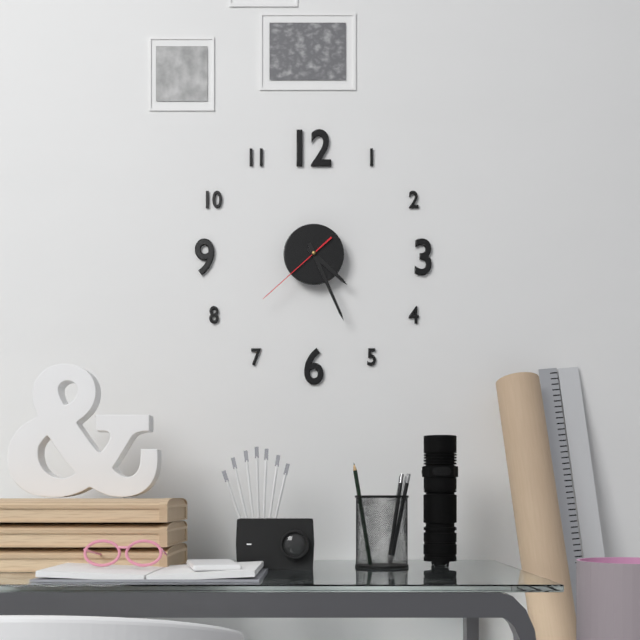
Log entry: 4h26m38s
